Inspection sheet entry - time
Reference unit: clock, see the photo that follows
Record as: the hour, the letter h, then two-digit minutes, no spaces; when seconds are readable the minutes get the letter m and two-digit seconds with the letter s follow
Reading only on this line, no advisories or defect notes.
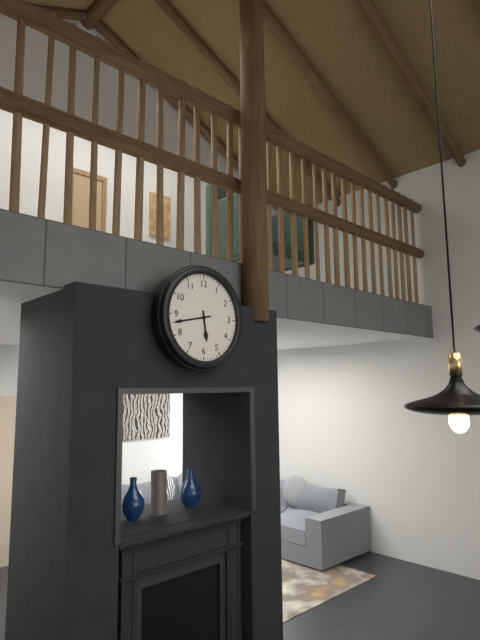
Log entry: 5h43
